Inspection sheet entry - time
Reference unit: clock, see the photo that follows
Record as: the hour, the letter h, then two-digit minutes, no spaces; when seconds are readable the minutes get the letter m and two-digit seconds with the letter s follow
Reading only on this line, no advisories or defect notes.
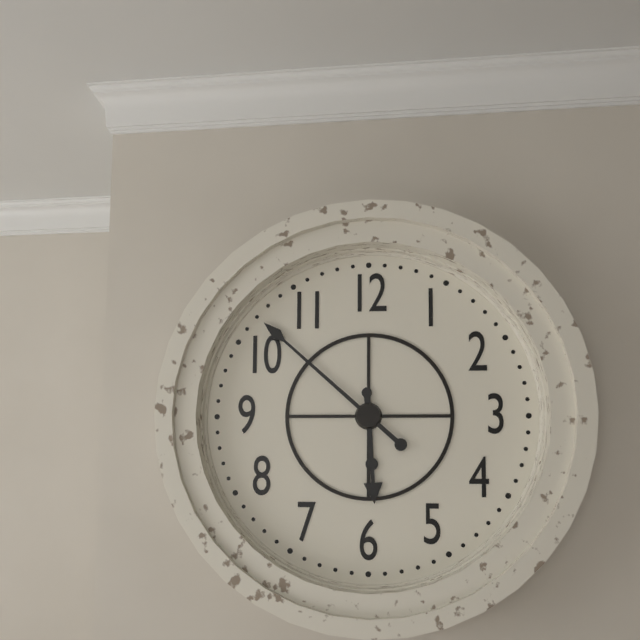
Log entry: 5h52
